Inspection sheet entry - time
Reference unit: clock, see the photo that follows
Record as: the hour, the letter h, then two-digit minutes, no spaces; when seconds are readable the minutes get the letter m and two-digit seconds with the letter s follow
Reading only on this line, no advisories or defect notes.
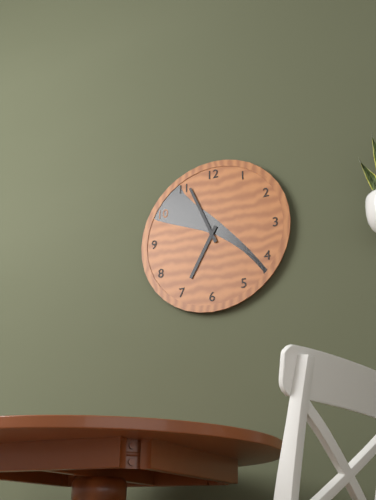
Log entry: 6h56
